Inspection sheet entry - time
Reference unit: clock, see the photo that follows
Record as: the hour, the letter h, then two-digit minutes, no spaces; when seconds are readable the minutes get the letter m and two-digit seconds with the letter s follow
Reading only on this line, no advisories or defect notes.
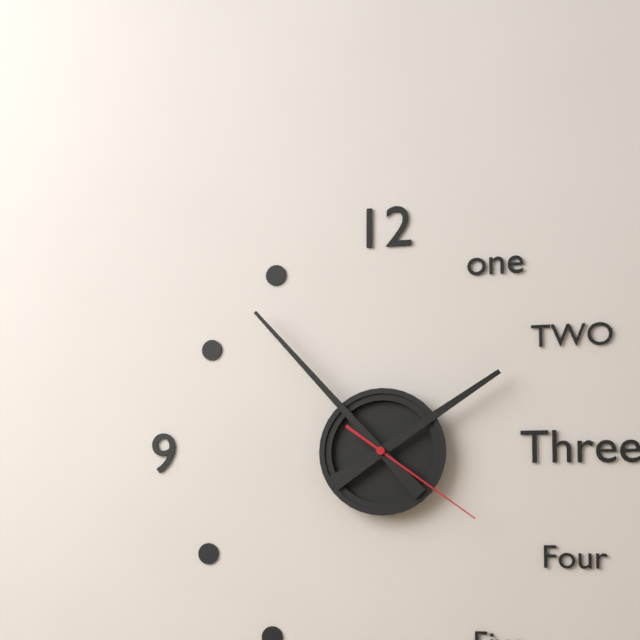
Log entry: 1h53m21s
